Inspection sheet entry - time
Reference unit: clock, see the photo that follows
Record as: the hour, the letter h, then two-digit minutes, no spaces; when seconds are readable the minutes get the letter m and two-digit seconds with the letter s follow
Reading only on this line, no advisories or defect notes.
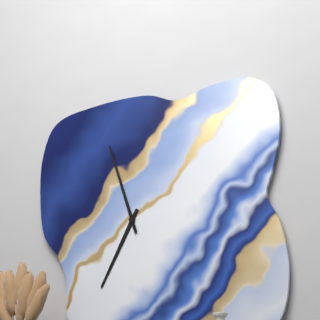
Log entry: 6h57
